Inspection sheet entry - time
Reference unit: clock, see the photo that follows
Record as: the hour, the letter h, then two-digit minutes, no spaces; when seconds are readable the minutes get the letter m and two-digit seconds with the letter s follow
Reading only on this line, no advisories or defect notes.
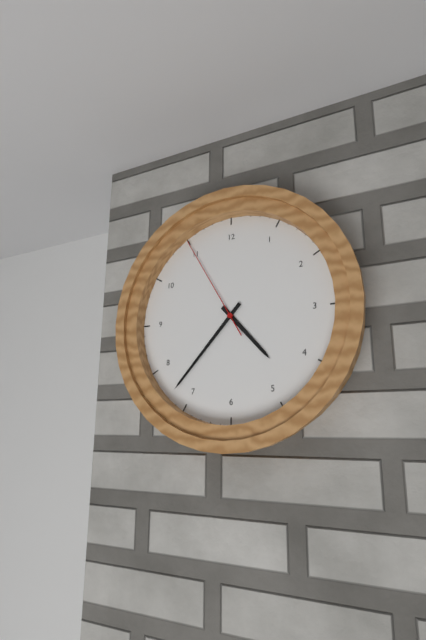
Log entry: 4h37m55s
